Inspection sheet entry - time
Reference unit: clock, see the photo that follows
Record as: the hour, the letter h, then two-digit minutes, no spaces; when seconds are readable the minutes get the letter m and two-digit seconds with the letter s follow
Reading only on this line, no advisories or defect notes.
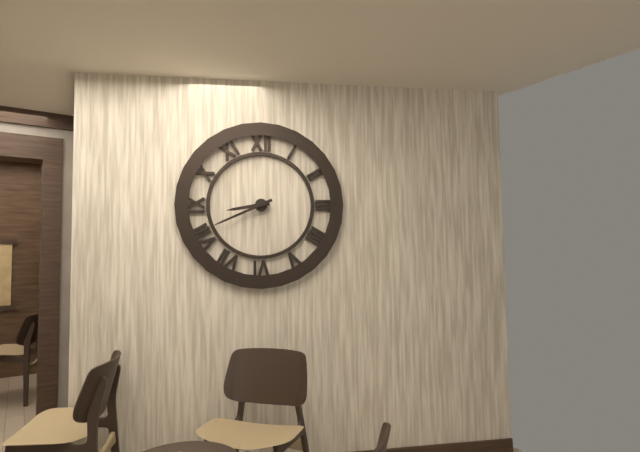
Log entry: 8h41
